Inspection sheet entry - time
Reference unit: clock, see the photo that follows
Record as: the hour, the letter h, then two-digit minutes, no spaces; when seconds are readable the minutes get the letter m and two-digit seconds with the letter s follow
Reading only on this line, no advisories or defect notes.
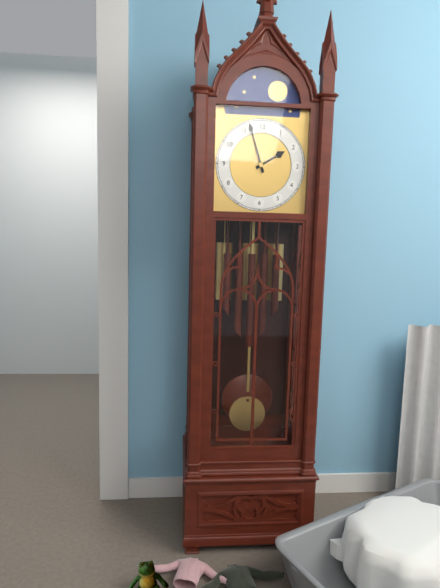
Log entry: 1h57
